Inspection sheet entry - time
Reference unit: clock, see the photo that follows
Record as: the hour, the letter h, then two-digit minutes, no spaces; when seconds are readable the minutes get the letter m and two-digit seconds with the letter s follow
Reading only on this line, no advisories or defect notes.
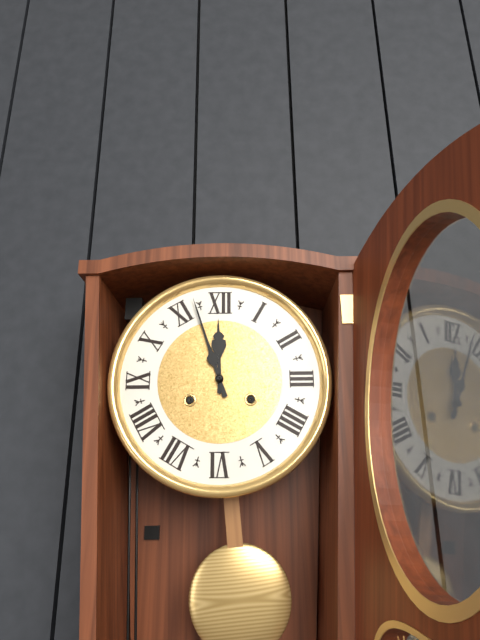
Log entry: 11h57
